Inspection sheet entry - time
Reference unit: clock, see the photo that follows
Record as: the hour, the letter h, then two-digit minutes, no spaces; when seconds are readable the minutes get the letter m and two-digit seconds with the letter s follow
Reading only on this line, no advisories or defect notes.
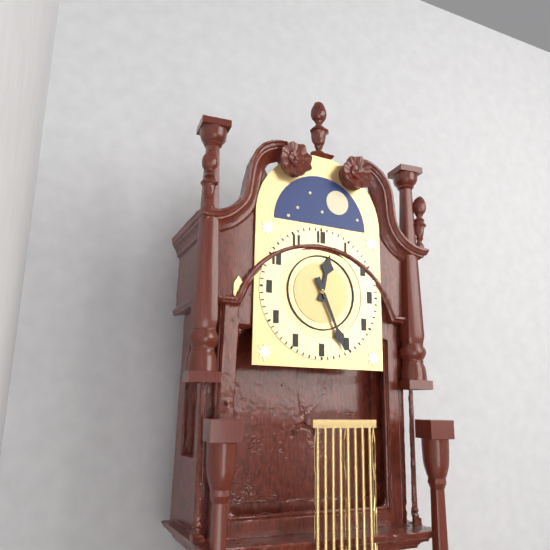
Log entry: 12h26
